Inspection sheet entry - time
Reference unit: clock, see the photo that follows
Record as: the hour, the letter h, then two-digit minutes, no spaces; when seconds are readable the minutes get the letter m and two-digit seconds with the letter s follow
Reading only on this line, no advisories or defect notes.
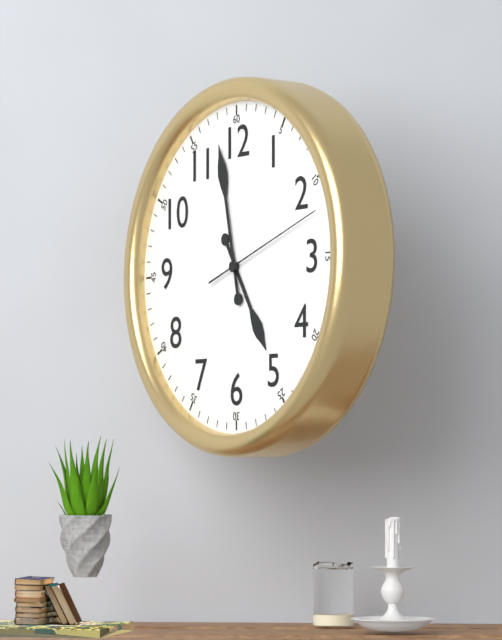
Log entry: 4h58m12s
